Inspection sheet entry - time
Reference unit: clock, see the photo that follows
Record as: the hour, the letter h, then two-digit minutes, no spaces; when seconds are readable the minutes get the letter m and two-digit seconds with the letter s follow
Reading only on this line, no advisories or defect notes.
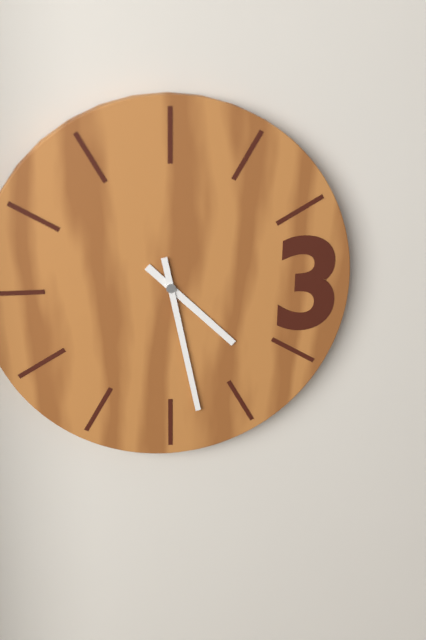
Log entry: 4h28
